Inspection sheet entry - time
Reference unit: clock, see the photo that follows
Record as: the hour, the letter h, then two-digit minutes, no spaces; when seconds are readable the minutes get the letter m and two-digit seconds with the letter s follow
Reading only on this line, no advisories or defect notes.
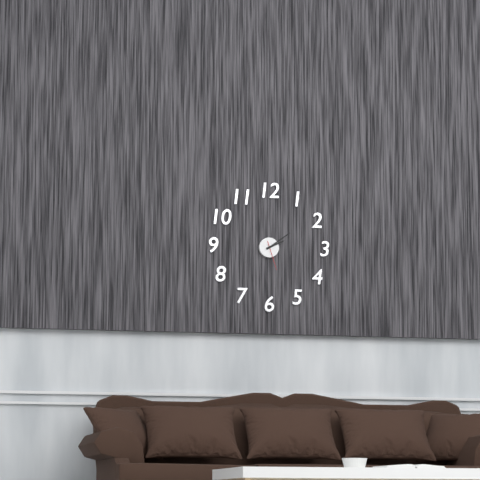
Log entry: 2h09
